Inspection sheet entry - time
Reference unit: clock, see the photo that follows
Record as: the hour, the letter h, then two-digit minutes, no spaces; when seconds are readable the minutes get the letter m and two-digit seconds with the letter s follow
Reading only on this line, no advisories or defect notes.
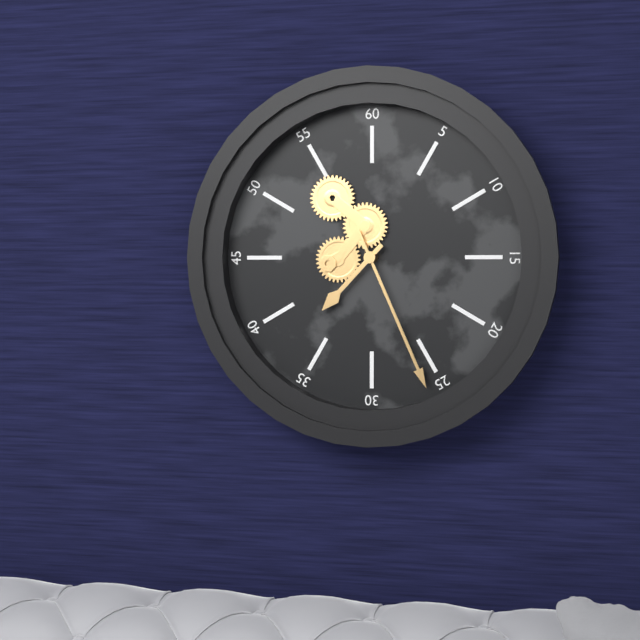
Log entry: 7h26
